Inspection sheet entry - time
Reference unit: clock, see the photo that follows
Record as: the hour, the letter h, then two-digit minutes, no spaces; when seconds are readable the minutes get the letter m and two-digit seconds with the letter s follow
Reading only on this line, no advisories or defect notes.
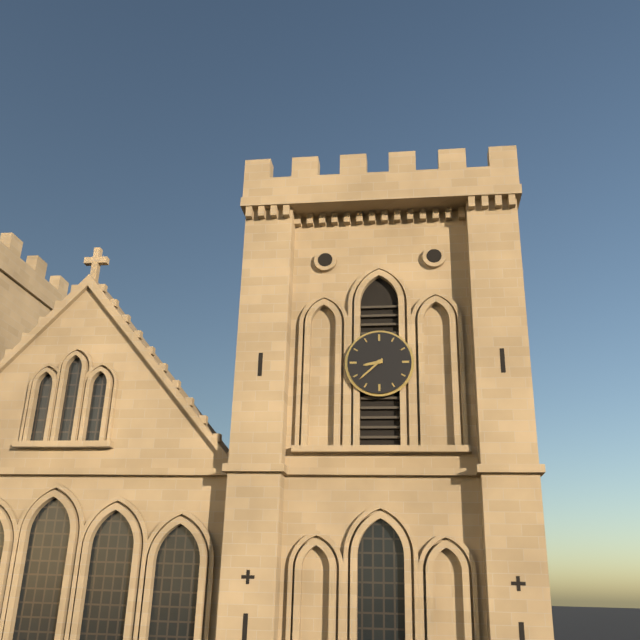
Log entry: 8h38
